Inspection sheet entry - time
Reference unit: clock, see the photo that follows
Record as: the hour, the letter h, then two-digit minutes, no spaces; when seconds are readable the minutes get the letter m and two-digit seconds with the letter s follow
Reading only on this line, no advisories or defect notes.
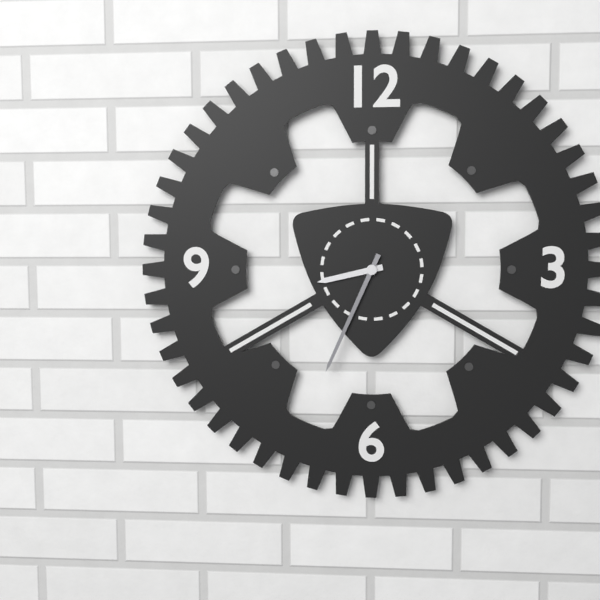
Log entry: 8h34
